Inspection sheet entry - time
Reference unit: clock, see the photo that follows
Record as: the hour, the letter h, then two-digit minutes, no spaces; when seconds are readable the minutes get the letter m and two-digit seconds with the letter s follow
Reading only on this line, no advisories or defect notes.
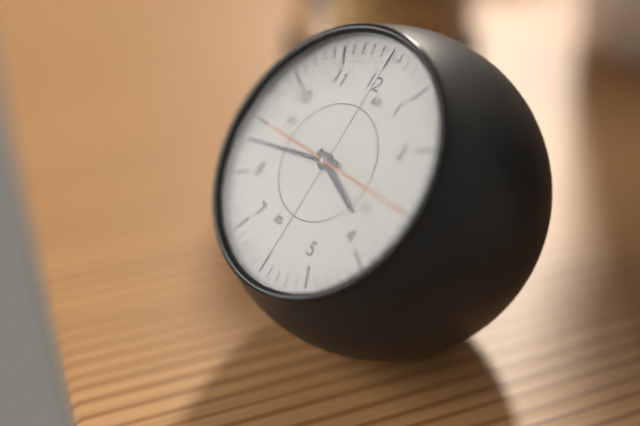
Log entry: 3h43m15s
